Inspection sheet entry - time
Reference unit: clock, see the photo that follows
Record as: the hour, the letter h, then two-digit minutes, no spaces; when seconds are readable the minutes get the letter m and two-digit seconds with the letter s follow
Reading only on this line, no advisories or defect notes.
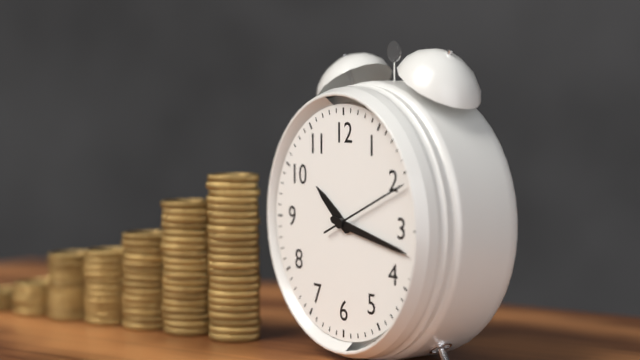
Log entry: 10h17m11s
